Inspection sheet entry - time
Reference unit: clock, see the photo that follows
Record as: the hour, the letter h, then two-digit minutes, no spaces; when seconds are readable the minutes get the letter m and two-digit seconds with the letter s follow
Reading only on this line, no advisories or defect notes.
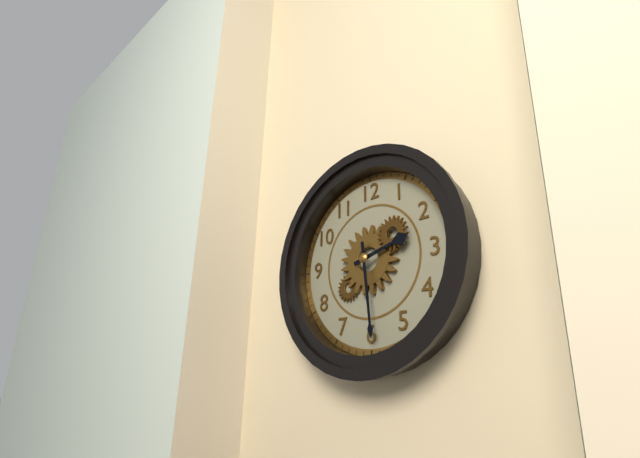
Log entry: 2h29
